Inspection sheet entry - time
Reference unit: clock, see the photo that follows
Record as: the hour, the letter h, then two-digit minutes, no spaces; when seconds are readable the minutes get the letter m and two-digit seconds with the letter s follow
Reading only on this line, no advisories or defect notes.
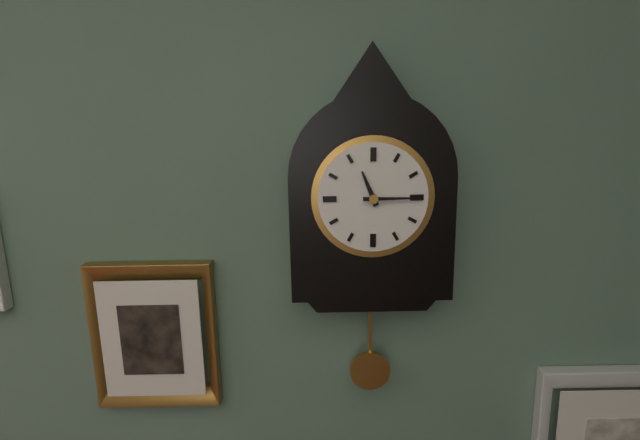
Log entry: 11h15
